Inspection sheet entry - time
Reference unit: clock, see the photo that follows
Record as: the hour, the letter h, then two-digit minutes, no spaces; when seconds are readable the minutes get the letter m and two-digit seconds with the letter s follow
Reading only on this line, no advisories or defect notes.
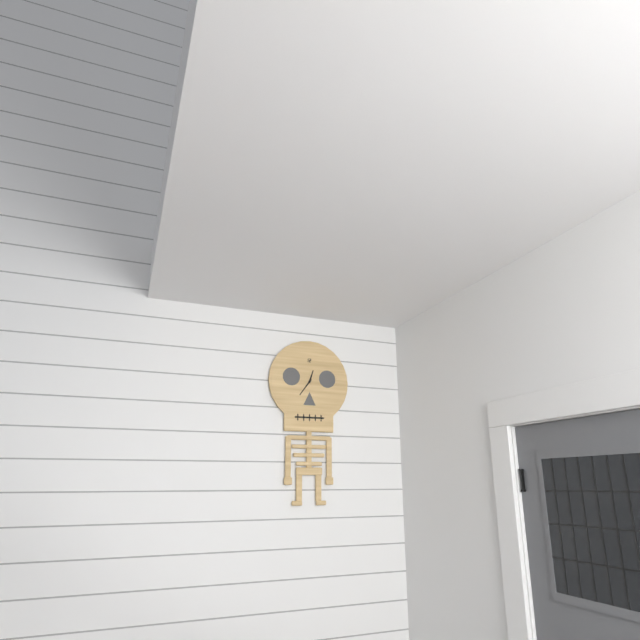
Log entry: 12h36
